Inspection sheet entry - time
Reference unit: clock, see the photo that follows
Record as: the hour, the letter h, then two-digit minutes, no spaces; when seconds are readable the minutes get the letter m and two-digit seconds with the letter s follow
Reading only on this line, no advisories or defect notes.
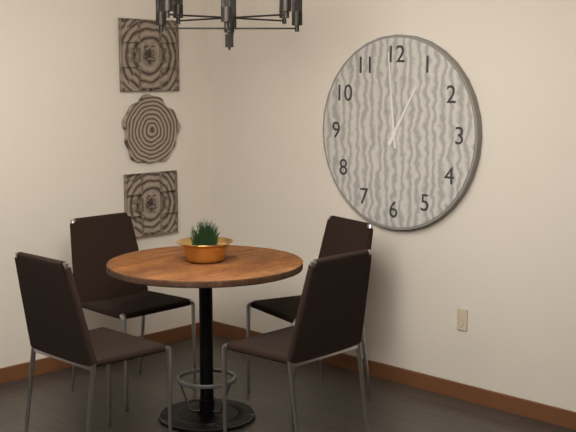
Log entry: 12h59
